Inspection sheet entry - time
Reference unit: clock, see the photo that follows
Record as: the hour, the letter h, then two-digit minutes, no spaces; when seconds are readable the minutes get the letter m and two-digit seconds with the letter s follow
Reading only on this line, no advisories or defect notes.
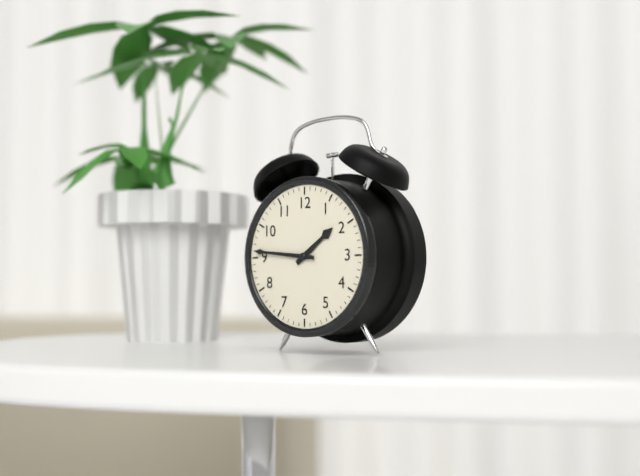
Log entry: 1h46
